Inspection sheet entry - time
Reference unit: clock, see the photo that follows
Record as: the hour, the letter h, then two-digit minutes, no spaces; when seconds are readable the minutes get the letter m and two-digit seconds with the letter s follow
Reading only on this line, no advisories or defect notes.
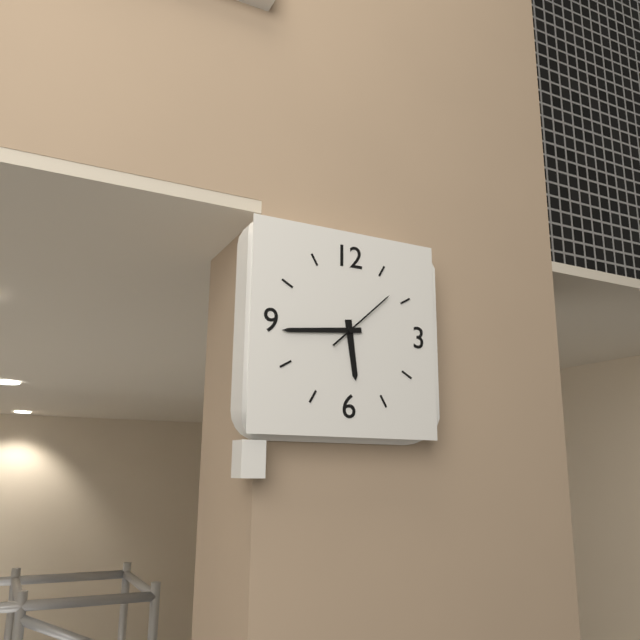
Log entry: 5h44m08s
